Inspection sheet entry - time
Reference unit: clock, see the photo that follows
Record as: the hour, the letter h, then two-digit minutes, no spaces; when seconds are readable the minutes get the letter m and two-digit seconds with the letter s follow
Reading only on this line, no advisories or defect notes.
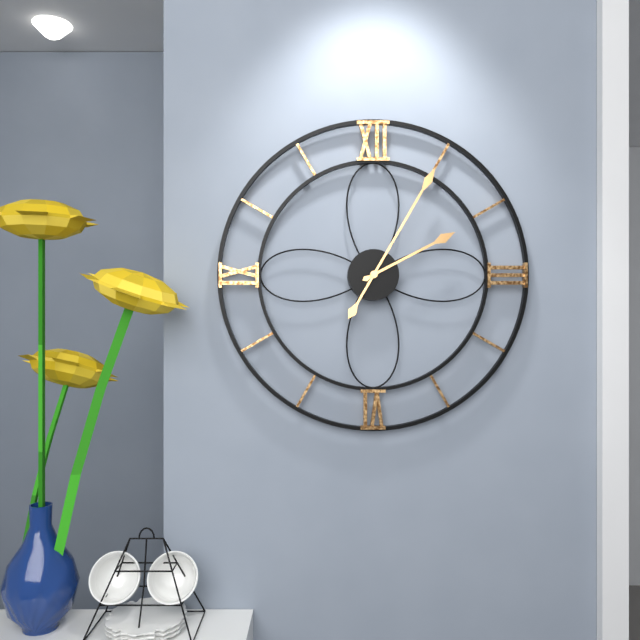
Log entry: 2h05
